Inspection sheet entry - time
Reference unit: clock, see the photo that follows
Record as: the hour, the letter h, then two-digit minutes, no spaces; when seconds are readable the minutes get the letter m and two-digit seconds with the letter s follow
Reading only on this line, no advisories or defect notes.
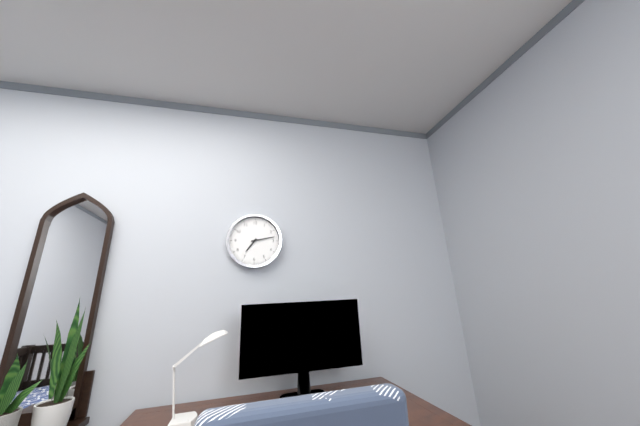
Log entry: 7h13
